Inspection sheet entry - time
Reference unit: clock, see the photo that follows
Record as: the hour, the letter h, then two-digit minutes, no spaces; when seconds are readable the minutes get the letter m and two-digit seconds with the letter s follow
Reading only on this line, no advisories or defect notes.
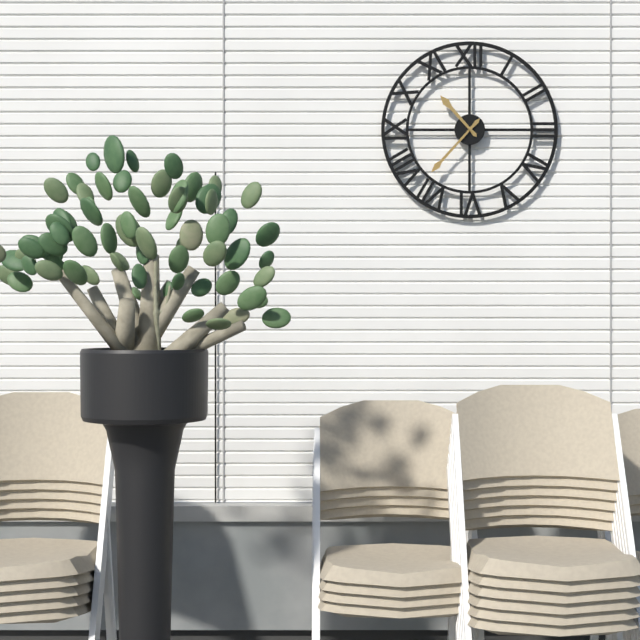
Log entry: 10h37
